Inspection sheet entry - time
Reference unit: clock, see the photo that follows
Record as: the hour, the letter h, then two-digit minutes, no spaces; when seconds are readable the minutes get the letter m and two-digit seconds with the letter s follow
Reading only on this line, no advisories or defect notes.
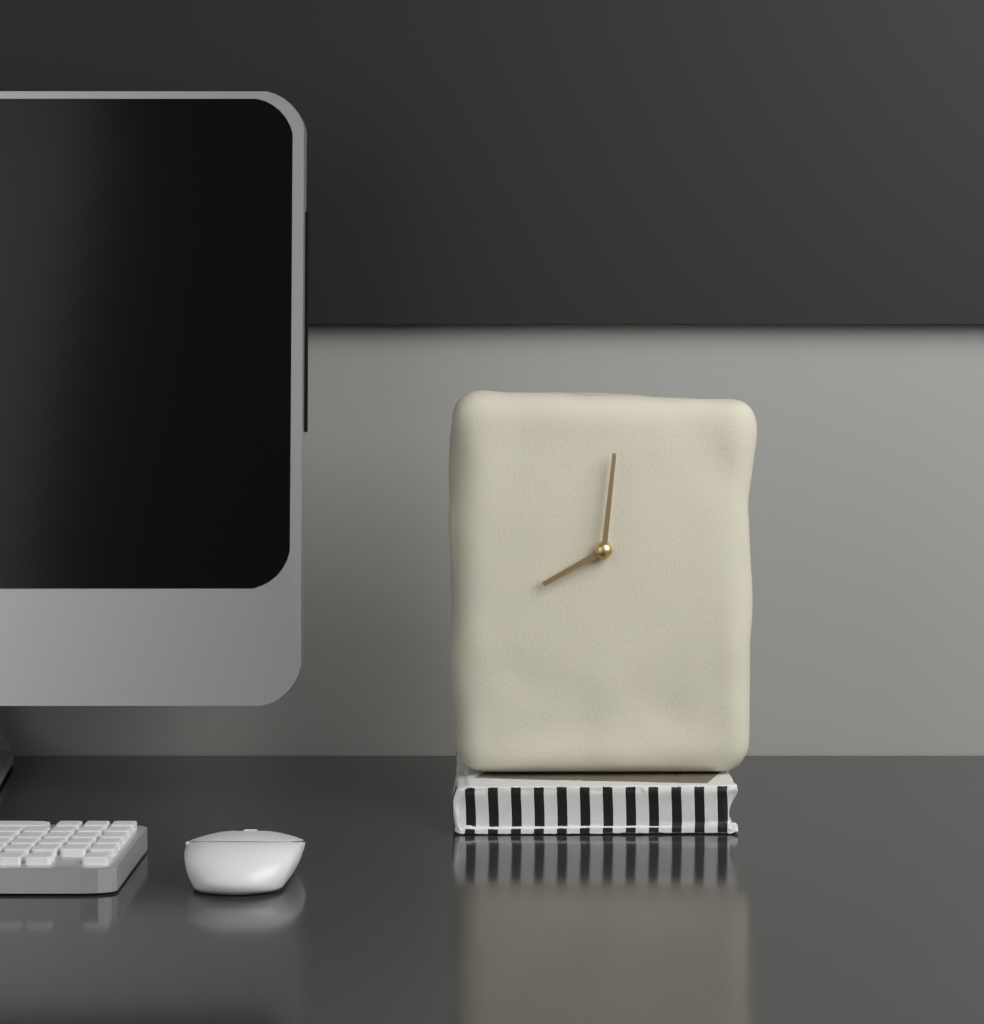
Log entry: 8h01
